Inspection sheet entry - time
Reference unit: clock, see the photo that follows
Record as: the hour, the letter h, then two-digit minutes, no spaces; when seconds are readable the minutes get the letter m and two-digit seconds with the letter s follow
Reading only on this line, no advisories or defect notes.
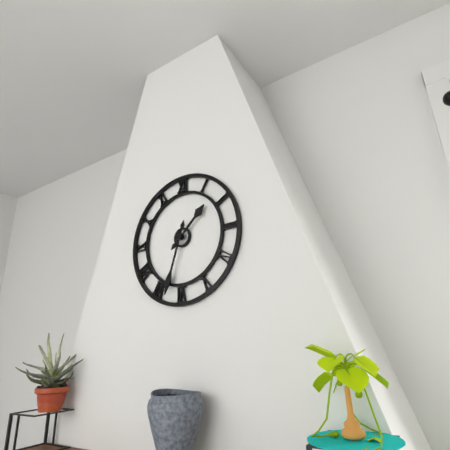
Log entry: 1h33
